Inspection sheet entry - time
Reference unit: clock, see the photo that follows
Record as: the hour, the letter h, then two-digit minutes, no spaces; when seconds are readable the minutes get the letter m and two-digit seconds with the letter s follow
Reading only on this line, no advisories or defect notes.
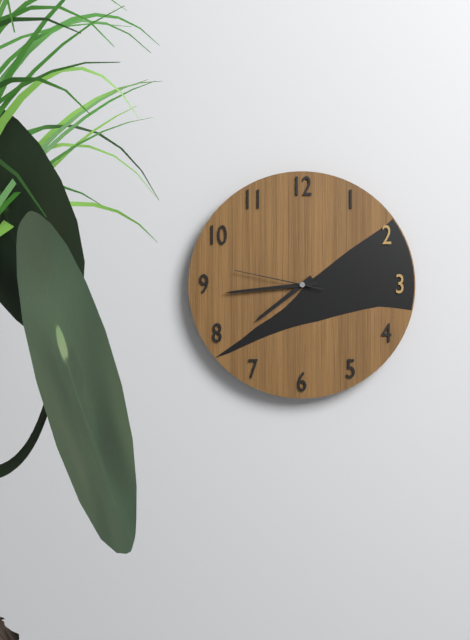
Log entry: 7h44m47s
